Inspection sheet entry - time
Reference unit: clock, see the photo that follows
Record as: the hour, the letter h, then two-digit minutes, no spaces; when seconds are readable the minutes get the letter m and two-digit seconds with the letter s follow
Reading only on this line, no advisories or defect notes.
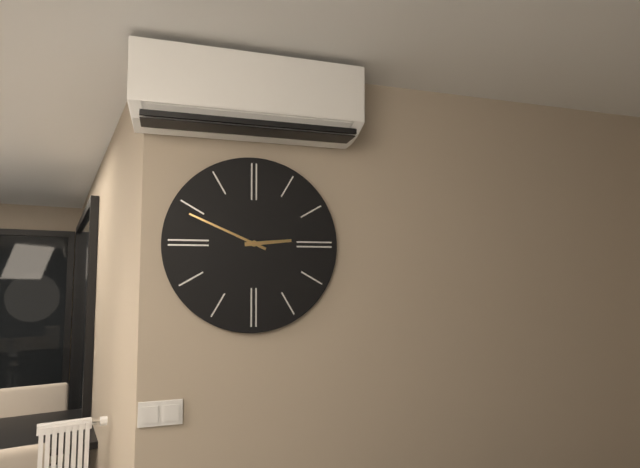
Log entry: 2h49
